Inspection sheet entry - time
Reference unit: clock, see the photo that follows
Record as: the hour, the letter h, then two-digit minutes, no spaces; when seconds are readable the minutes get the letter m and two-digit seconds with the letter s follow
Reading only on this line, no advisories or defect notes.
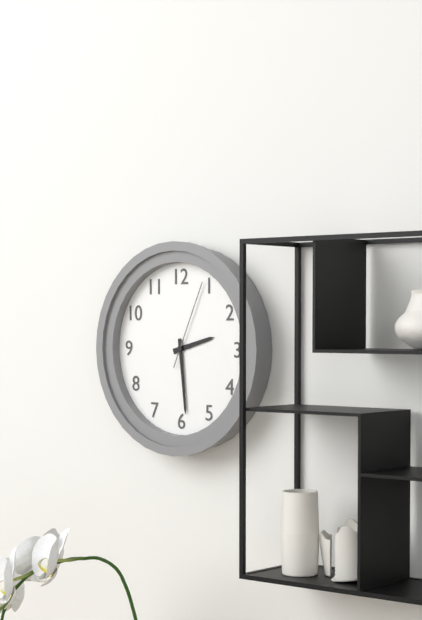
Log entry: 2h29m04s
